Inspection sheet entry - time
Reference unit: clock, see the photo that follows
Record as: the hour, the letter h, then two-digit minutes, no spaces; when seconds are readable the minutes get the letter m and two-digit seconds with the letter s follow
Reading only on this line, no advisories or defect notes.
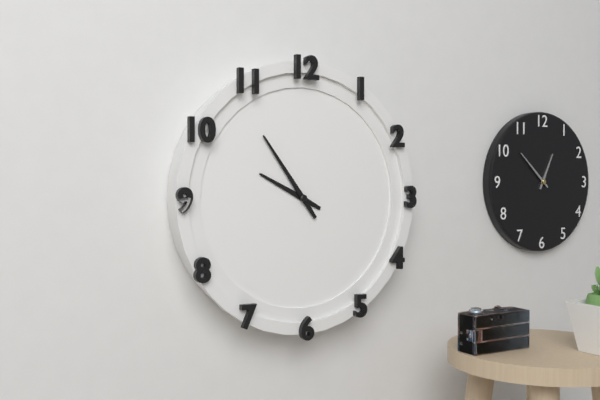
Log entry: 9h54
